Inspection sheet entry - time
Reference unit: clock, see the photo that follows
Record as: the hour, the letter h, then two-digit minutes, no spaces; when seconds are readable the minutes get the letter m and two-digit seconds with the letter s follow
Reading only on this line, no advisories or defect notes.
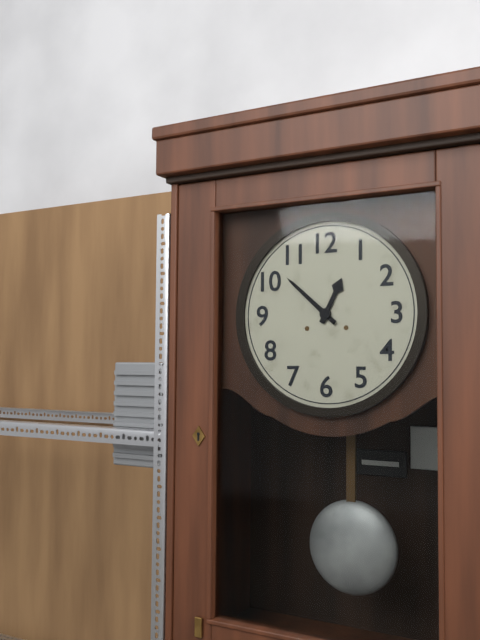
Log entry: 12h52
